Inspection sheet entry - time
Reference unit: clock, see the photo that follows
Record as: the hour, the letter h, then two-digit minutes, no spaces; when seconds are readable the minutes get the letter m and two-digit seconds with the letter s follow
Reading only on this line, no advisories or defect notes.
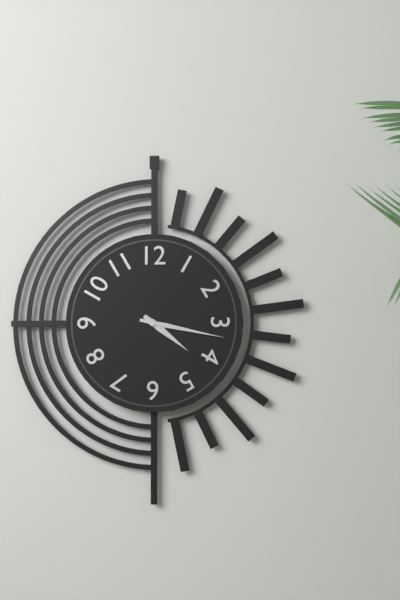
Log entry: 4h17
